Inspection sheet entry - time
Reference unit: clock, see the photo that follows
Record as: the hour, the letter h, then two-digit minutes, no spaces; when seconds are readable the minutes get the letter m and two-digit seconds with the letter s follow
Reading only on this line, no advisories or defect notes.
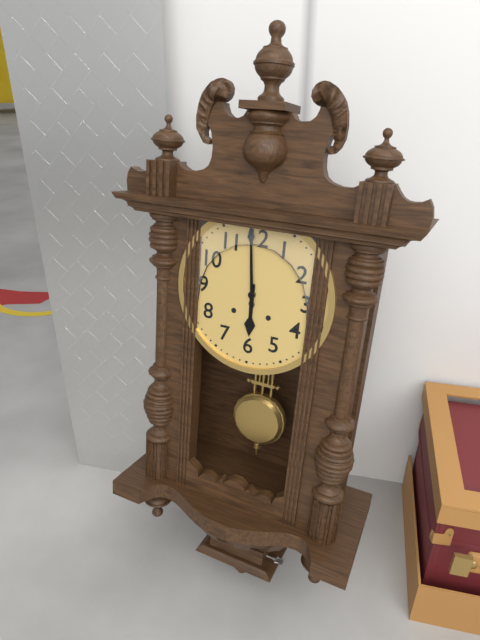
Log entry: 5h59
